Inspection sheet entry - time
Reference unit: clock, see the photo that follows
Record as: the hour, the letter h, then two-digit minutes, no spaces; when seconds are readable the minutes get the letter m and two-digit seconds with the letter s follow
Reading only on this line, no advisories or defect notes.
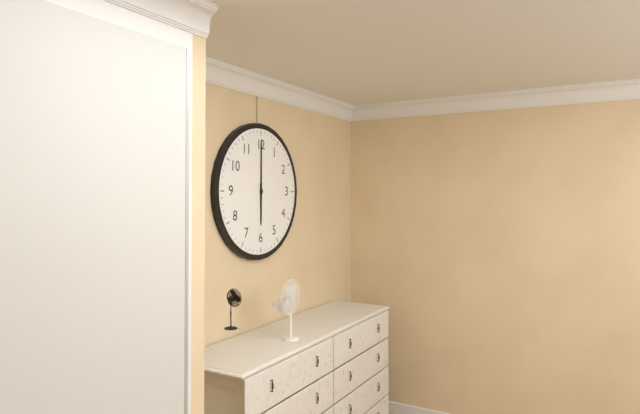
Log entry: 6h00
